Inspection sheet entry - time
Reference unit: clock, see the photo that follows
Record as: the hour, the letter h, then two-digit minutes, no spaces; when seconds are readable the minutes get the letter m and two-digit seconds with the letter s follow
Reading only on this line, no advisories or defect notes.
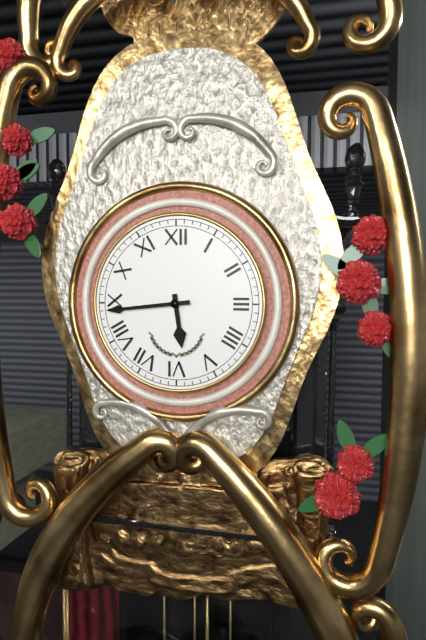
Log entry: 5h44
